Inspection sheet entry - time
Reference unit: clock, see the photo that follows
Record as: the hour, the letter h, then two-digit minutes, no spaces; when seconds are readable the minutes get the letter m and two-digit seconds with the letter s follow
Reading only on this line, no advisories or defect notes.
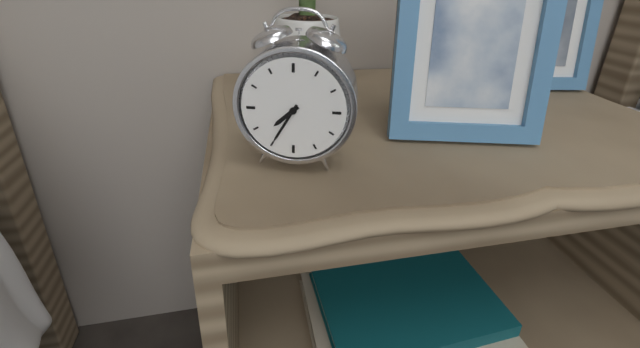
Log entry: 7h35
